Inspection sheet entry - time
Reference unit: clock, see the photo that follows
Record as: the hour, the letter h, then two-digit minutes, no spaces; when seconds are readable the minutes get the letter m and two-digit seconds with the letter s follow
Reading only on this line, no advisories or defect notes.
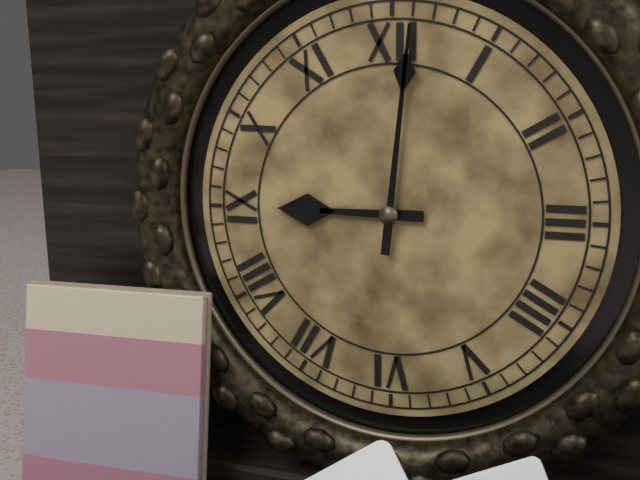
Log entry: 9h01
